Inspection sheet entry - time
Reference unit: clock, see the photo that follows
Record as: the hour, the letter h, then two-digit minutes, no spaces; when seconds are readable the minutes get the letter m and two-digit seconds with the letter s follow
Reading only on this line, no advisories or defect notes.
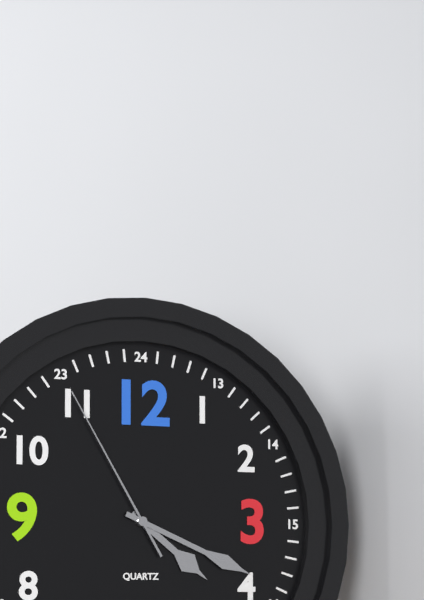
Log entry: 4h19m55s
